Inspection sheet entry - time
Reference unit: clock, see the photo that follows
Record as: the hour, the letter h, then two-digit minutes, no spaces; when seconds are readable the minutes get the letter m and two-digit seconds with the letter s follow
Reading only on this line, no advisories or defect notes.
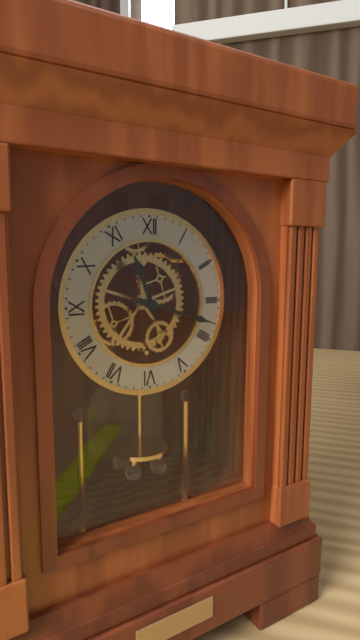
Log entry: 11h18
